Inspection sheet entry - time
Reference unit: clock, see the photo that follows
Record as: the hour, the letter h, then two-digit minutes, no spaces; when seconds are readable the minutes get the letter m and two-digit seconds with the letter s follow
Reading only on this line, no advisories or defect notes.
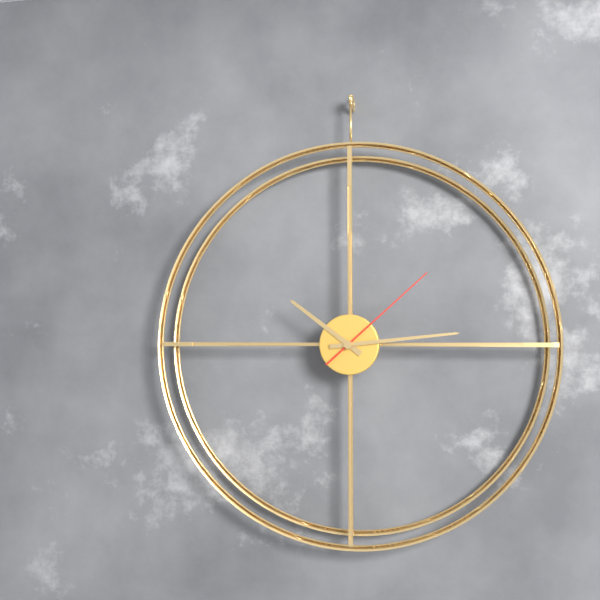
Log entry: 10h14m08s
